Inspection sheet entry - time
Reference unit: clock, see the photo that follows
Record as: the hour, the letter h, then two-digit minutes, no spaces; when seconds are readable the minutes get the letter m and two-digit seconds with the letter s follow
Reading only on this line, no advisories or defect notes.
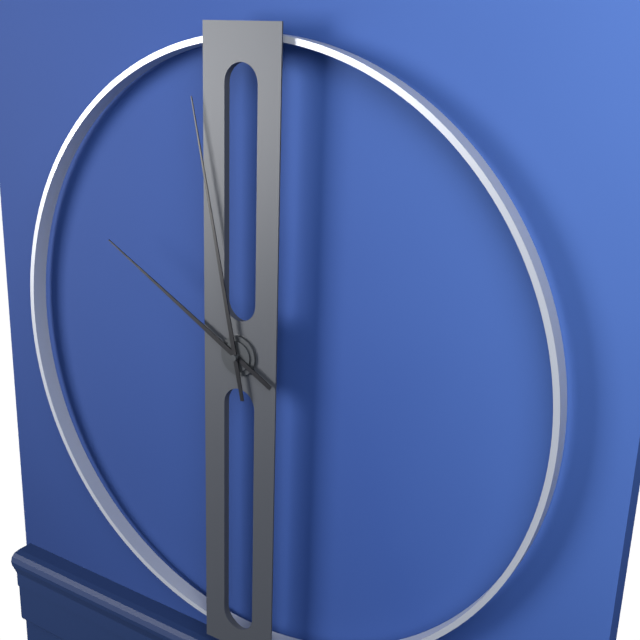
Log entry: 9h58
